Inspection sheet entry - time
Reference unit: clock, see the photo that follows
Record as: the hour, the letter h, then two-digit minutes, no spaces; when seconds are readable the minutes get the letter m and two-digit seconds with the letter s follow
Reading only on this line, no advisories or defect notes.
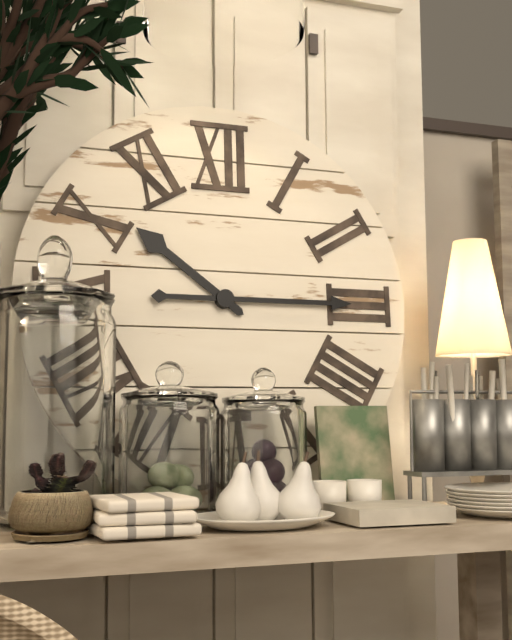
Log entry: 10h15
